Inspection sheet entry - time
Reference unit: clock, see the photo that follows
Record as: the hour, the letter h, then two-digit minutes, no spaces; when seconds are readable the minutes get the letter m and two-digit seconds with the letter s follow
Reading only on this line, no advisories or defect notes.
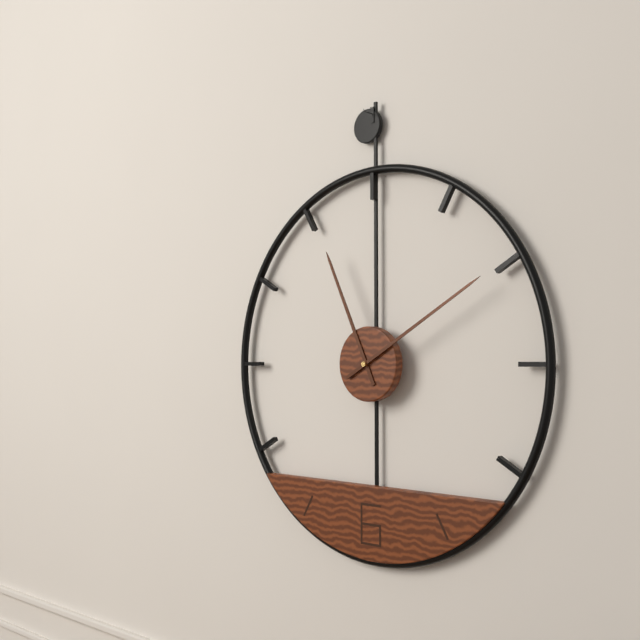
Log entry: 11h10
